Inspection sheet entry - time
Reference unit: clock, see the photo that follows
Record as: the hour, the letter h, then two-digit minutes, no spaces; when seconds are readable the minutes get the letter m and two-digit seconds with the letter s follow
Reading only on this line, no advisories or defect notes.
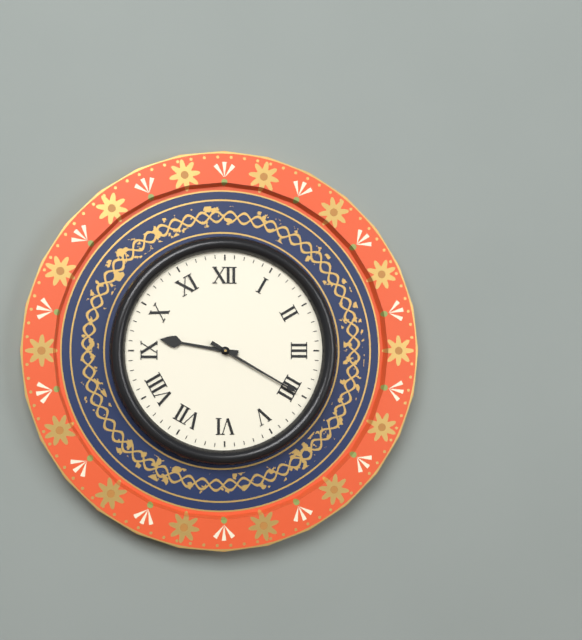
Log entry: 9h20
